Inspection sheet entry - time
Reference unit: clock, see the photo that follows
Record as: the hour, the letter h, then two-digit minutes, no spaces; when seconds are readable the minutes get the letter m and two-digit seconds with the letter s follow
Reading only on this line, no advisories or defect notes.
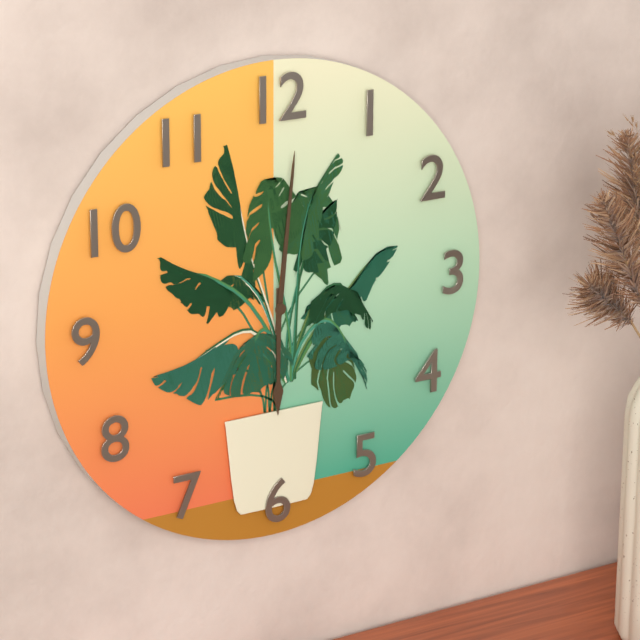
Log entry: 6h01
